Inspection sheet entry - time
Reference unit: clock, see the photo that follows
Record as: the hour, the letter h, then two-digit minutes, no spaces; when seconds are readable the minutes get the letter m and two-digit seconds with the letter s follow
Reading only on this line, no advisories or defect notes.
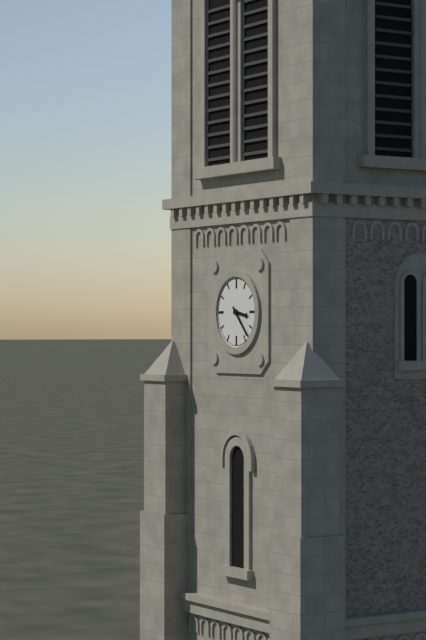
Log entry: 3h23
